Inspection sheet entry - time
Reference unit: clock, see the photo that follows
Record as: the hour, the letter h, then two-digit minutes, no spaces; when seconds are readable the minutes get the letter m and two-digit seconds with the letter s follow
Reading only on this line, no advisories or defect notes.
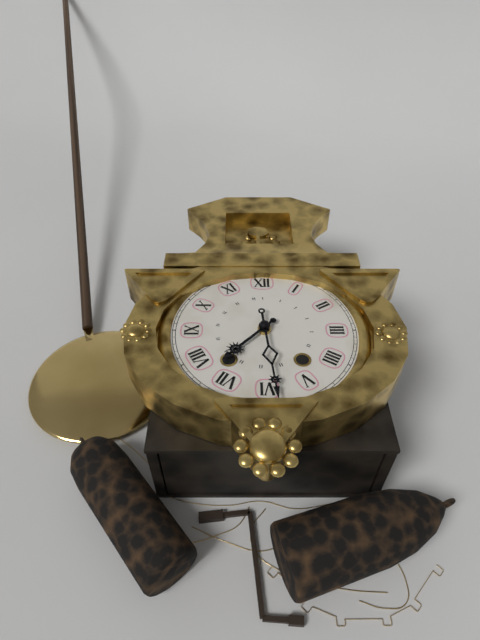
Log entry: 7h29
